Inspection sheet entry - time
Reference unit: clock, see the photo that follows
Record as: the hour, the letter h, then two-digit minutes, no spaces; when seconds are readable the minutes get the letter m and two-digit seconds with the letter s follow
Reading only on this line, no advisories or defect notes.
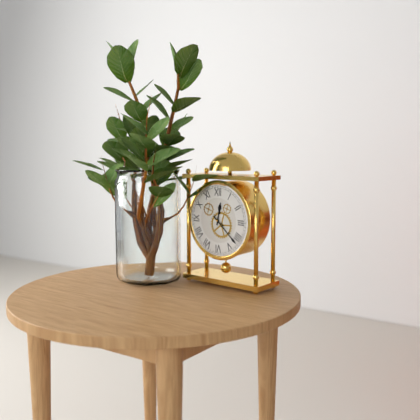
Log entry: 12h22
